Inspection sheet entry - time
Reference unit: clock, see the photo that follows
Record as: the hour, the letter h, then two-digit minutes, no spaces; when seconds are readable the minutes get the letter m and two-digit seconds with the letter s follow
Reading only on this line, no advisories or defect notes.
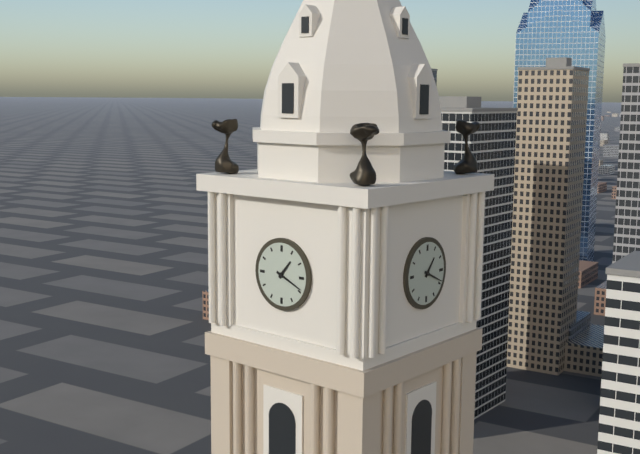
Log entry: 1h19
